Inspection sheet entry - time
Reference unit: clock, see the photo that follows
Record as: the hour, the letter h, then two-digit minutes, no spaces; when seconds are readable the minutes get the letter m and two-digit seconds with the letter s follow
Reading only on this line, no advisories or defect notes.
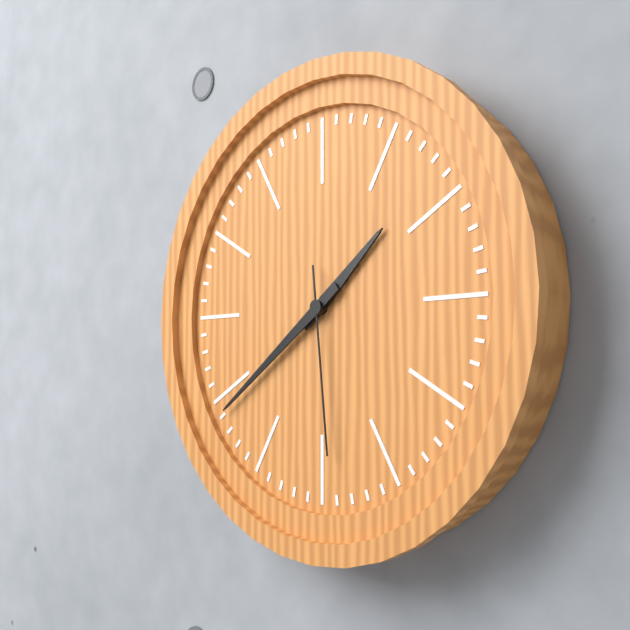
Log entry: 1h39m29s
